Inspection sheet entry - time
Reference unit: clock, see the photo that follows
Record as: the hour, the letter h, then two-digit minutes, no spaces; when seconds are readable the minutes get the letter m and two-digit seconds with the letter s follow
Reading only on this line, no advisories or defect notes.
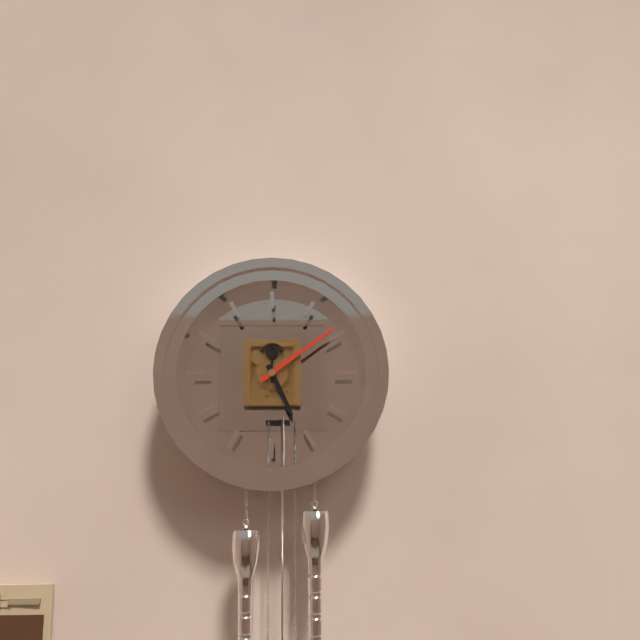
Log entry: 5h09
